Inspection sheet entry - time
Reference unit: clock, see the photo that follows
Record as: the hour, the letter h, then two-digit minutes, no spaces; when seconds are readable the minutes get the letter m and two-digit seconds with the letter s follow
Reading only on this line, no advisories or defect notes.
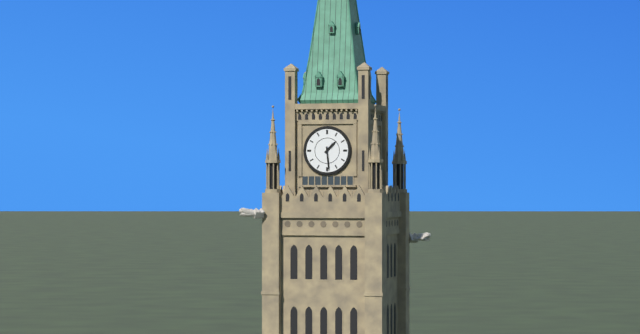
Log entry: 1h29
